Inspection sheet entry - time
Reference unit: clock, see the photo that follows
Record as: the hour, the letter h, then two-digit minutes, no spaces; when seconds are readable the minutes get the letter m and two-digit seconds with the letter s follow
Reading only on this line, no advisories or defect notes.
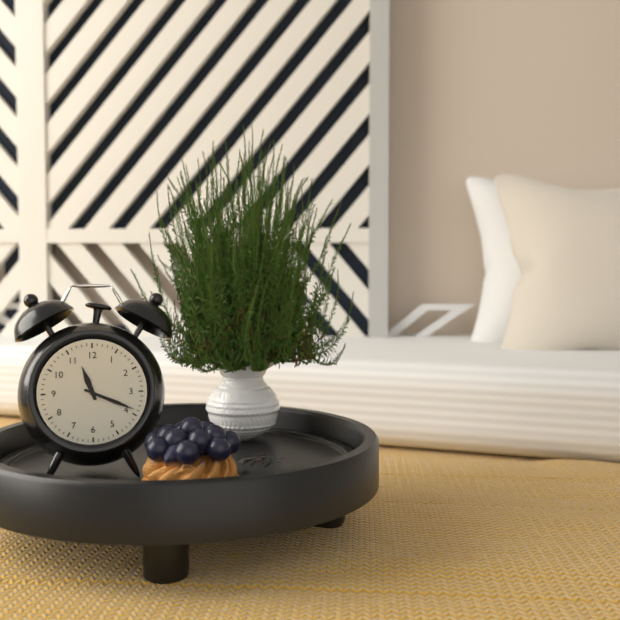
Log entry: 11h19
